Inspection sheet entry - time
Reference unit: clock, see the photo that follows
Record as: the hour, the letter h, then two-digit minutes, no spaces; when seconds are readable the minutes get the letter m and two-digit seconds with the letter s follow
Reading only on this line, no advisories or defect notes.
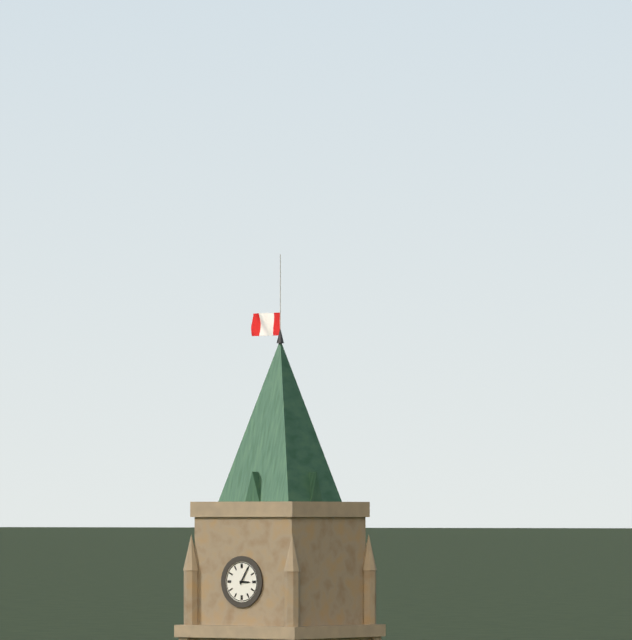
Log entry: 3h05
